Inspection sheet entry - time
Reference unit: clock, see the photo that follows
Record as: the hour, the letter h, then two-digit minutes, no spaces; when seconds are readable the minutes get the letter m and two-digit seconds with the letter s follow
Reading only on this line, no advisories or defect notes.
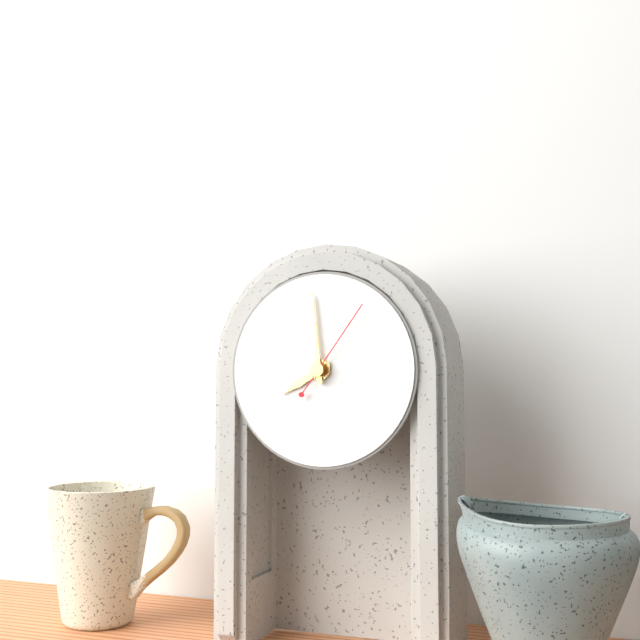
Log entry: 7h59m06s
